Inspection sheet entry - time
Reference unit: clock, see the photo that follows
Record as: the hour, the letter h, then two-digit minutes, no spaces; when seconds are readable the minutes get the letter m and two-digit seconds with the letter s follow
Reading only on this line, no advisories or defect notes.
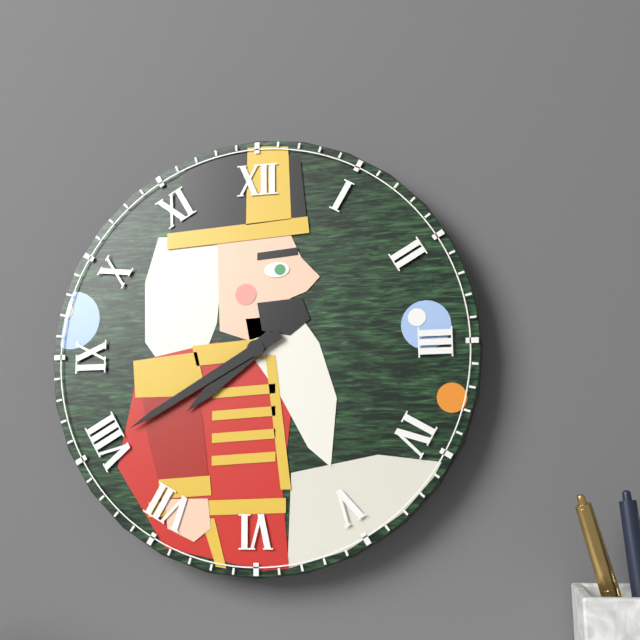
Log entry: 7h40
